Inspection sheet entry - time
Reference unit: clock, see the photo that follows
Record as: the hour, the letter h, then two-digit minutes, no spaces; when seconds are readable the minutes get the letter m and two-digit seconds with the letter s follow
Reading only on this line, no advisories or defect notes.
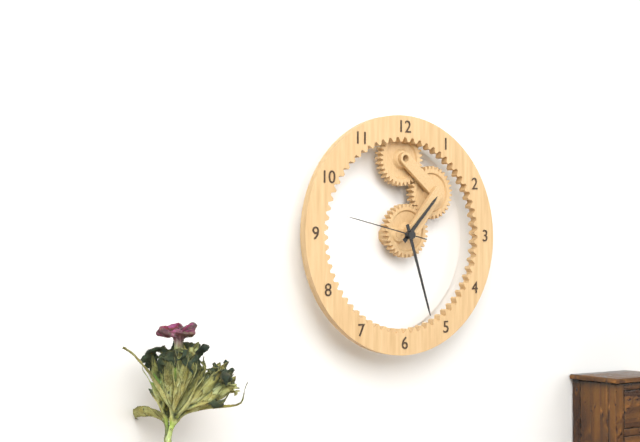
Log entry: 1h27m47s
